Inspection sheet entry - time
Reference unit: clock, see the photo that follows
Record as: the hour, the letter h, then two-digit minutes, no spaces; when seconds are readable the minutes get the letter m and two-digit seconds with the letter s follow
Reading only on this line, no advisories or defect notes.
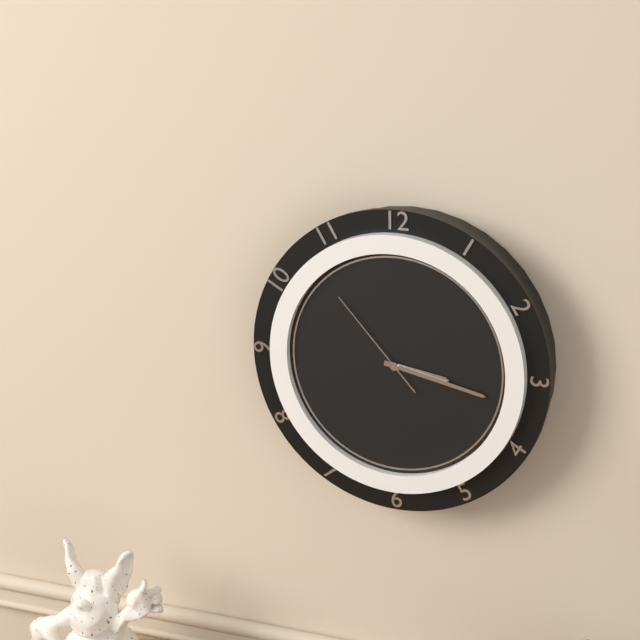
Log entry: 3h17m53s
